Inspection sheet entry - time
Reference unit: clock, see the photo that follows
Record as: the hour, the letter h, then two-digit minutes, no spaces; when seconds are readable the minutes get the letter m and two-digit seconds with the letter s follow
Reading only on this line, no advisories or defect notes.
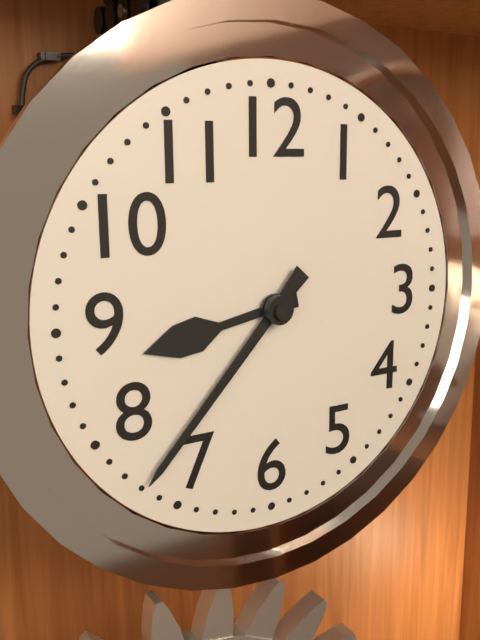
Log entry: 8h37
